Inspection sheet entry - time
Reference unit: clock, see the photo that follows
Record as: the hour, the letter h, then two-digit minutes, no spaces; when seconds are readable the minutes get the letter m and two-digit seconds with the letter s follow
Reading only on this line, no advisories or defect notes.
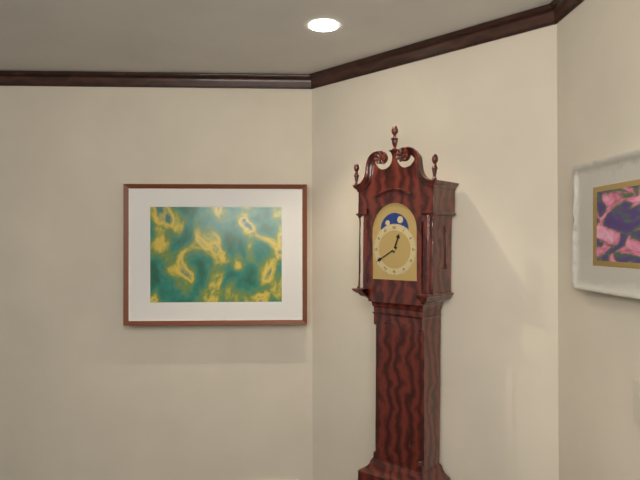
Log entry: 12h40
